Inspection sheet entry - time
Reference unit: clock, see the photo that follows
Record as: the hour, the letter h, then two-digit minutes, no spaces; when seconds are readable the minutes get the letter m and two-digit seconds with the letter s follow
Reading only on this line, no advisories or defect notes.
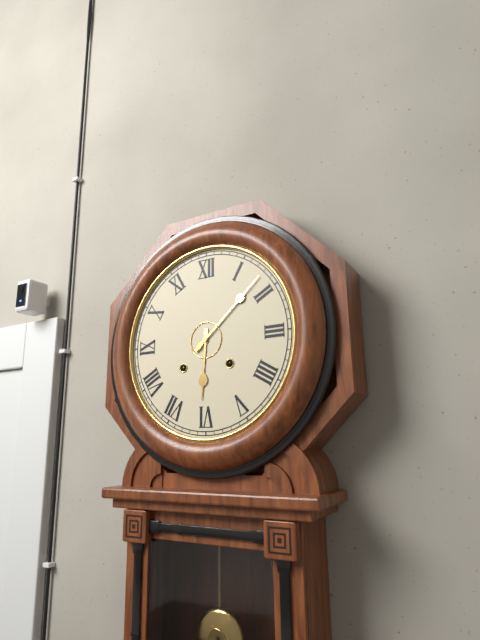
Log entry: 6h08
